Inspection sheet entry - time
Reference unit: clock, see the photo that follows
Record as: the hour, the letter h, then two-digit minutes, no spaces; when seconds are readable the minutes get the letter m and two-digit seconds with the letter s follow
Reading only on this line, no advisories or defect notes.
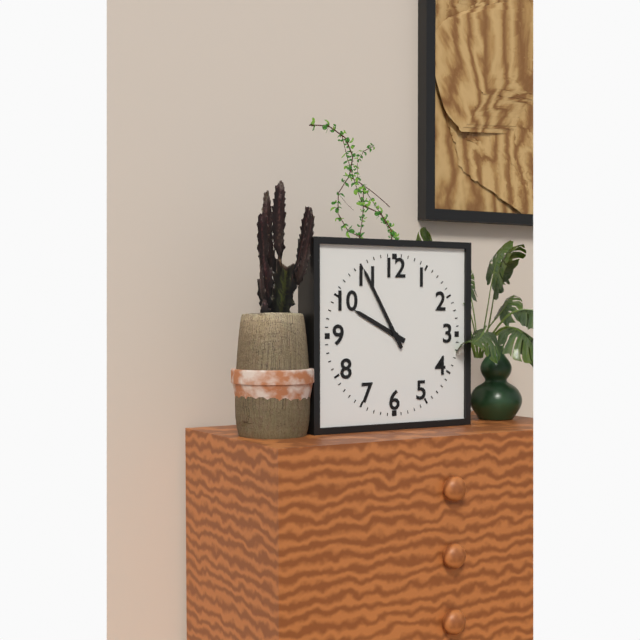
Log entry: 9h55
